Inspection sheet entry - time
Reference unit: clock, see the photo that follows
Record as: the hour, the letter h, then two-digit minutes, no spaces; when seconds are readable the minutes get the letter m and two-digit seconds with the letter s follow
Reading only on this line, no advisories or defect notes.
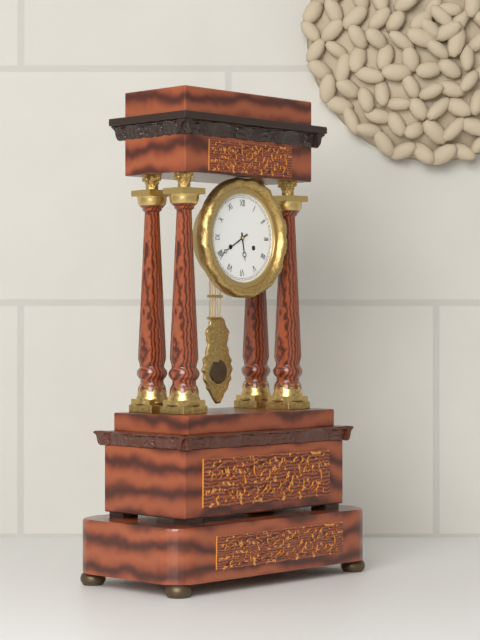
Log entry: 5h40
